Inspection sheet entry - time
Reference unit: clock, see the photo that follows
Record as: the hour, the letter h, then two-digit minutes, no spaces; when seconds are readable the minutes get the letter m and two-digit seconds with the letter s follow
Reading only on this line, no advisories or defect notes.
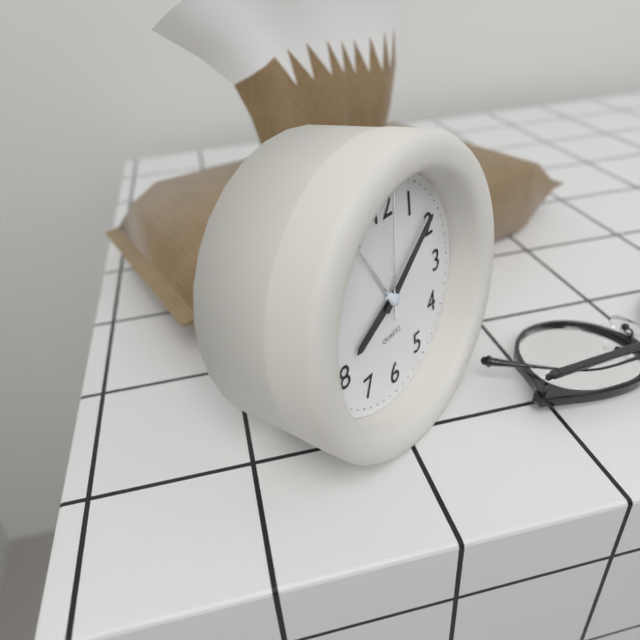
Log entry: 8h09m01s
